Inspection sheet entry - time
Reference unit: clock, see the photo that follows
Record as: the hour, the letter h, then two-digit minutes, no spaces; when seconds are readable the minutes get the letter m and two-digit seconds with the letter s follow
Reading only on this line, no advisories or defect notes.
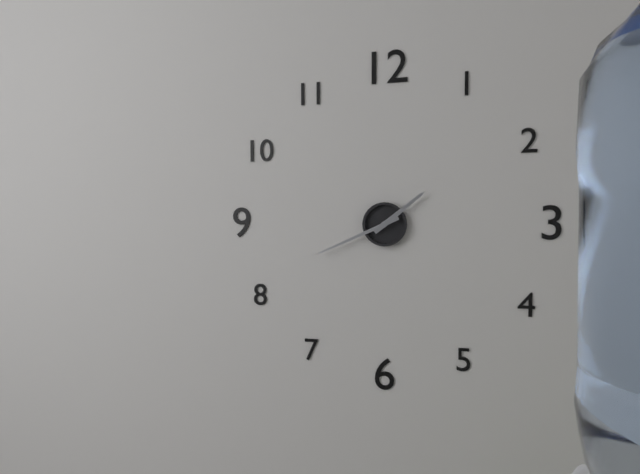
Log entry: 1h41
